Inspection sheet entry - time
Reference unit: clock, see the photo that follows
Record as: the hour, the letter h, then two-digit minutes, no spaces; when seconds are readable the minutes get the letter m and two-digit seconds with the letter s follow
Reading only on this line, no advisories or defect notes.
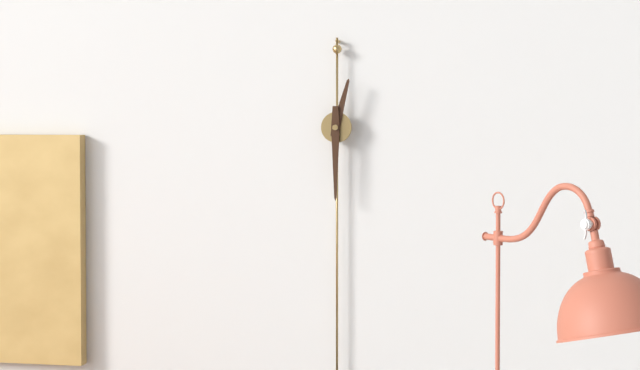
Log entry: 12h30
